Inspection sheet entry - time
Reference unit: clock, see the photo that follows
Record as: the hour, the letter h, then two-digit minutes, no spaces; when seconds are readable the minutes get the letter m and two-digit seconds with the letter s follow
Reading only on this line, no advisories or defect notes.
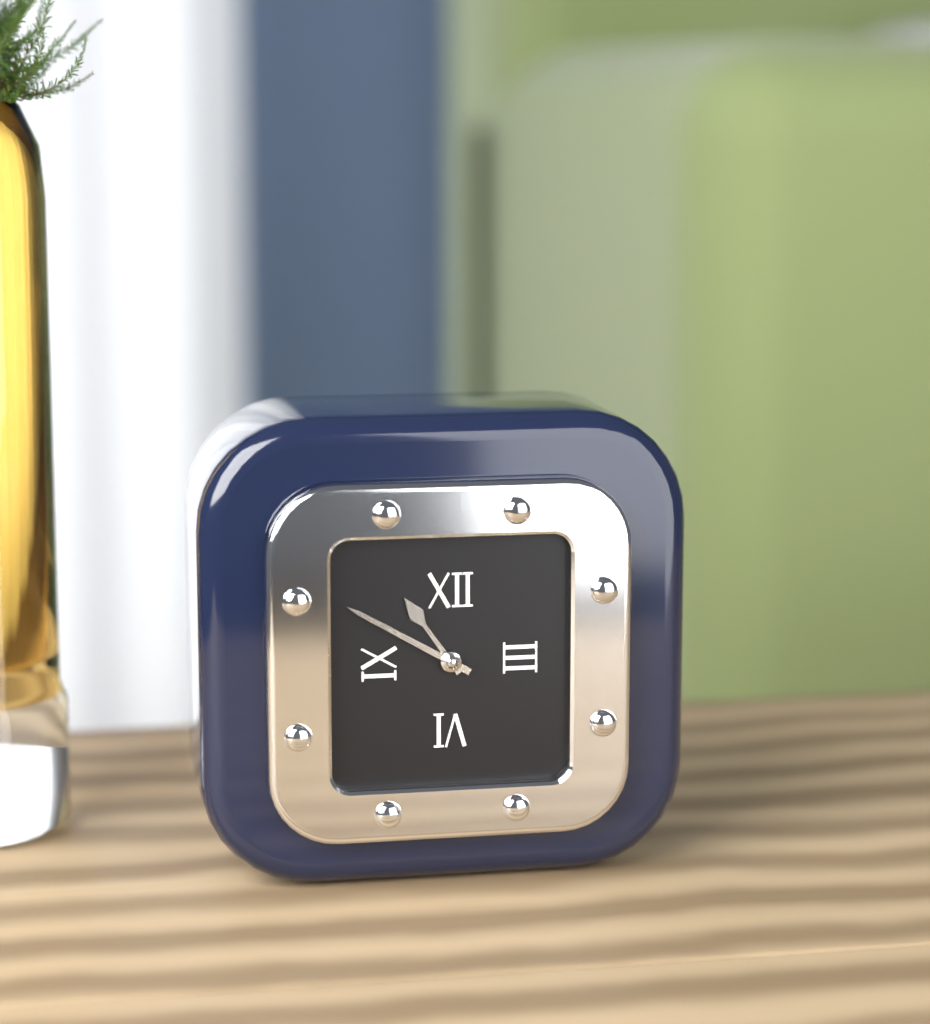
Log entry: 10h50
